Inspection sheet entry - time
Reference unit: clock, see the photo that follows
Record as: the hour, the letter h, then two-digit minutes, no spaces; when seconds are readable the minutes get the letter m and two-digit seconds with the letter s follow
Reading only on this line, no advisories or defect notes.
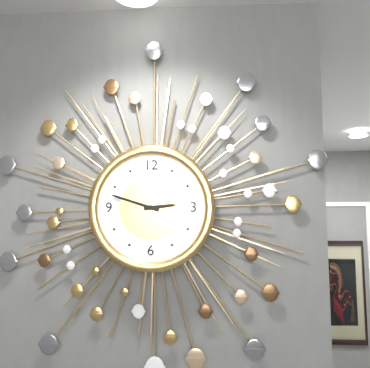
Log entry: 2h48
